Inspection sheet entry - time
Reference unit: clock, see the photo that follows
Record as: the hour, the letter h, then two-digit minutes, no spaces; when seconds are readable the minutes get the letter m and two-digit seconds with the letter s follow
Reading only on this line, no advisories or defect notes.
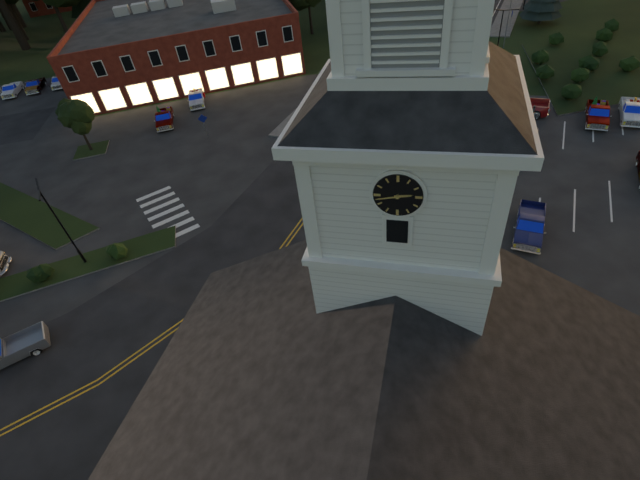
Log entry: 2h43
